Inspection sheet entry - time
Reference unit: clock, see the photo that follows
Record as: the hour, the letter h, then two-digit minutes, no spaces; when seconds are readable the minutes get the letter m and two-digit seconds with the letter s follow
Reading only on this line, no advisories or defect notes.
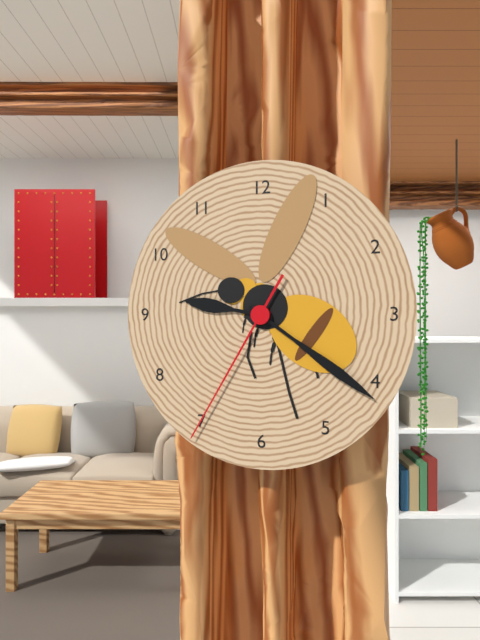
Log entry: 9h21m35s
